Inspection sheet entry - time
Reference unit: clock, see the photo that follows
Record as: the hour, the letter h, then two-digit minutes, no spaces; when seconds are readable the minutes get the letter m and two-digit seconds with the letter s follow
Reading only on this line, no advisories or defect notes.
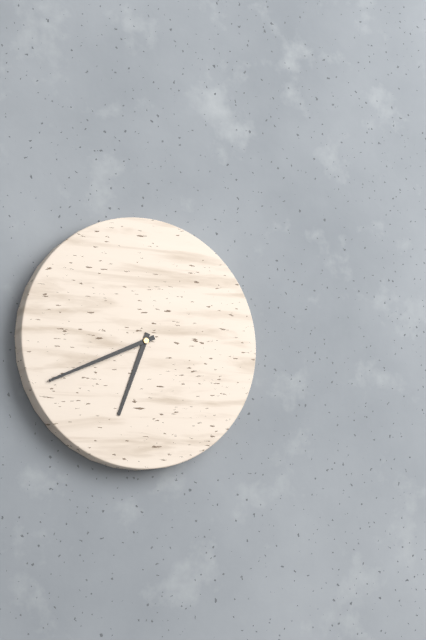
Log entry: 6h41
